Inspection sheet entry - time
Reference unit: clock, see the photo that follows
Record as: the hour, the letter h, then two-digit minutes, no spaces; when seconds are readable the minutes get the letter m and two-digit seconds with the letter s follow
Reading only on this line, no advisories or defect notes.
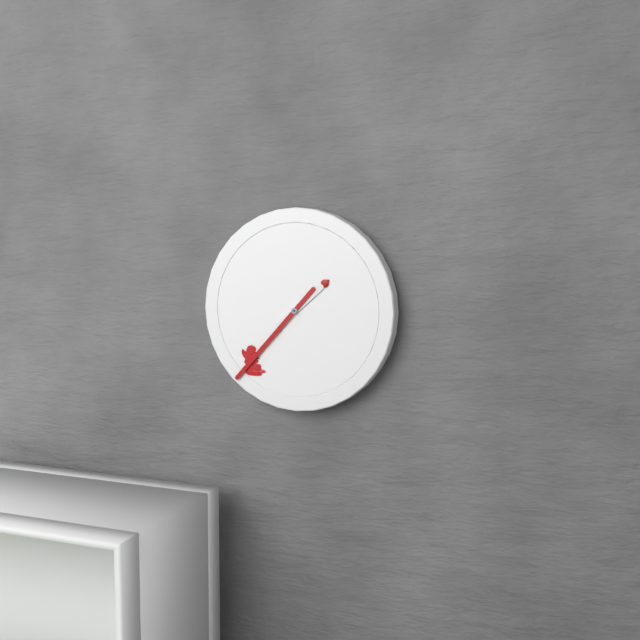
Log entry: 1h37
